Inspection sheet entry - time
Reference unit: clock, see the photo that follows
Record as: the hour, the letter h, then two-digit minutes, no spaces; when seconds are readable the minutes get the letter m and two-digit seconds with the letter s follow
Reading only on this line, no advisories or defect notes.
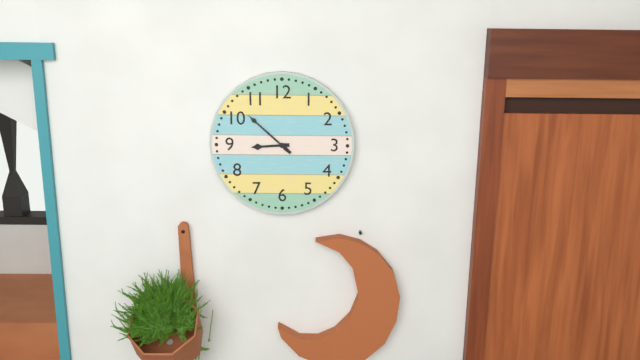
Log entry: 8h52
